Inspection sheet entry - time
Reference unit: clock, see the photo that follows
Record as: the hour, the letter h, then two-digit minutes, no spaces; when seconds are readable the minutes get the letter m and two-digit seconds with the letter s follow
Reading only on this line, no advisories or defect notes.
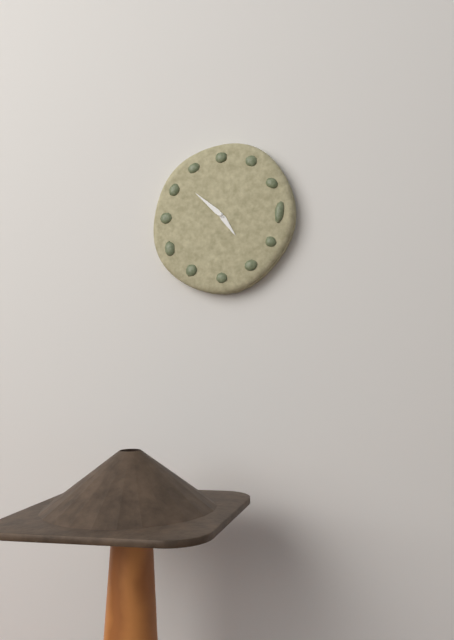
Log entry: 4h52
